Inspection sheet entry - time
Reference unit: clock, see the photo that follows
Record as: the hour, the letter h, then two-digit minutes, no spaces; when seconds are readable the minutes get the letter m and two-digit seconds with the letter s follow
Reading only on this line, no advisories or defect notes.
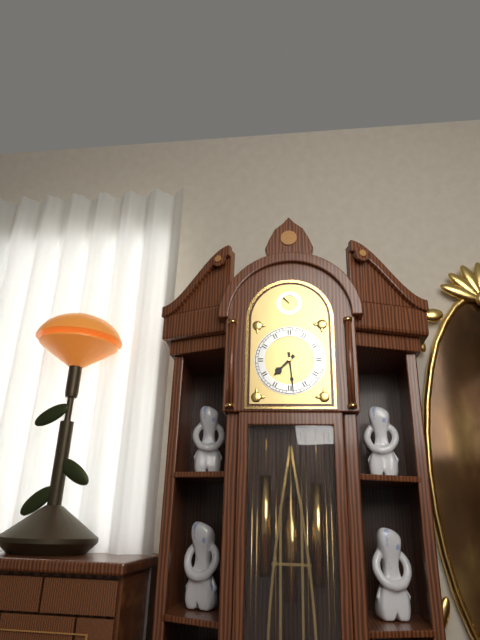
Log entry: 7h29
